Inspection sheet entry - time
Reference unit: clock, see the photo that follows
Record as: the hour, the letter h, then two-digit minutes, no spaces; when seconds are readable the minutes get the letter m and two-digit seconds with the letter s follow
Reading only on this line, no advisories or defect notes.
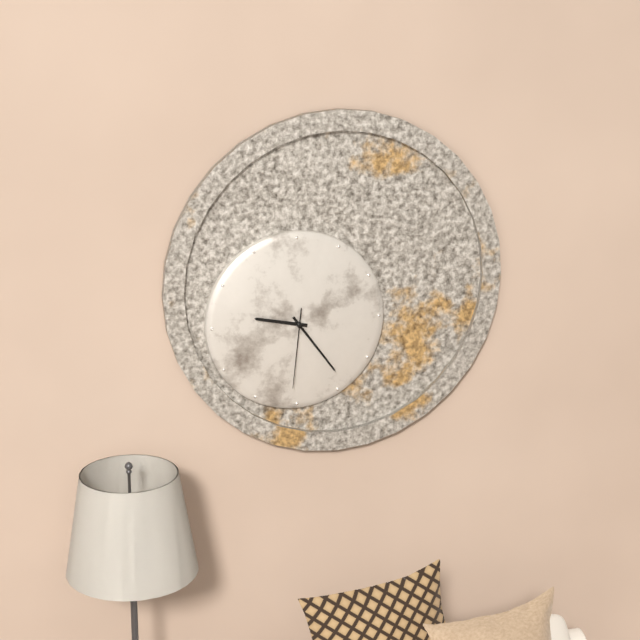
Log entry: 9h24m31s
